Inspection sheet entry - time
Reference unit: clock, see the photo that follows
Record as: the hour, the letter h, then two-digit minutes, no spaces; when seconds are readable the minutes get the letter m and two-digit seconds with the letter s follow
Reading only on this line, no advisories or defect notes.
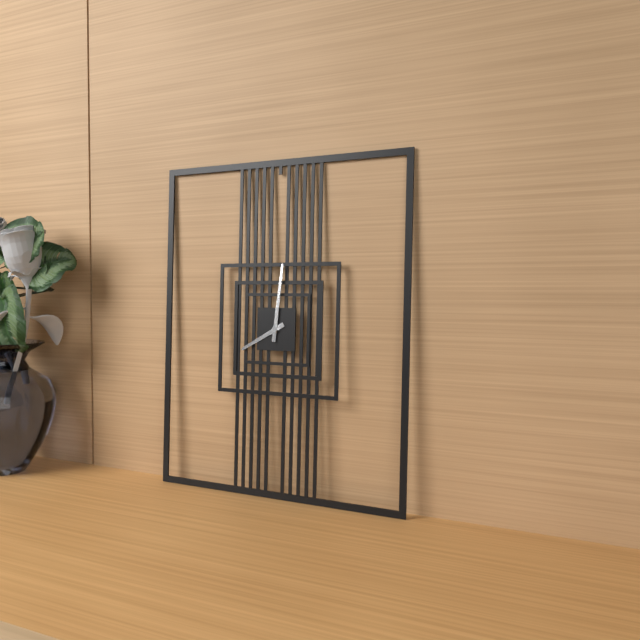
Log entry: 8h01
